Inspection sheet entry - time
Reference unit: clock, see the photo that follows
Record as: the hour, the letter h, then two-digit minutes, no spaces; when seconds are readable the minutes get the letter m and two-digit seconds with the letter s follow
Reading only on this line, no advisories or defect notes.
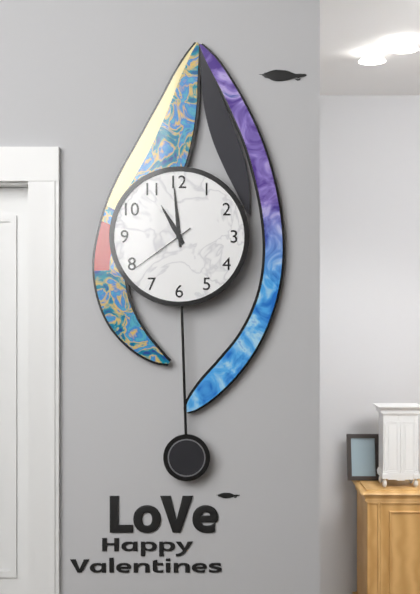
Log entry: 10h59m39s
